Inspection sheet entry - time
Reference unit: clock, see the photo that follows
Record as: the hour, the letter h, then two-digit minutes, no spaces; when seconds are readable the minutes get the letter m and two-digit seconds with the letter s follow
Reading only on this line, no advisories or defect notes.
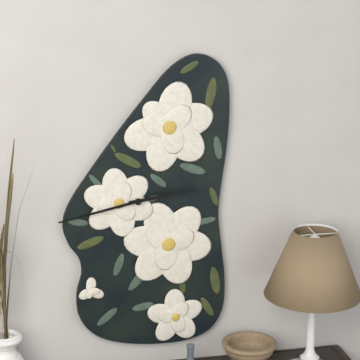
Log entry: 2h43
